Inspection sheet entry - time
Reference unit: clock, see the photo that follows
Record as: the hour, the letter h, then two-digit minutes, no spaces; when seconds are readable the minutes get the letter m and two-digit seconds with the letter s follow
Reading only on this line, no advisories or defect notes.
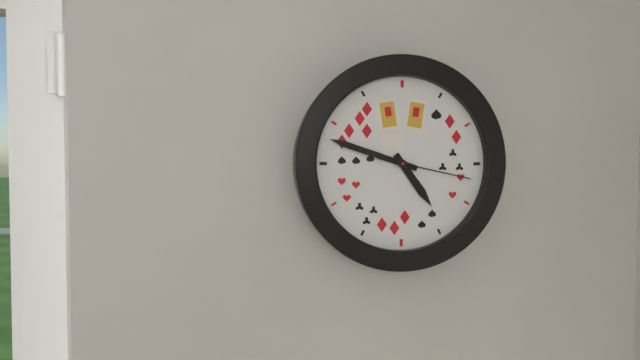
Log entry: 4h48m17s
